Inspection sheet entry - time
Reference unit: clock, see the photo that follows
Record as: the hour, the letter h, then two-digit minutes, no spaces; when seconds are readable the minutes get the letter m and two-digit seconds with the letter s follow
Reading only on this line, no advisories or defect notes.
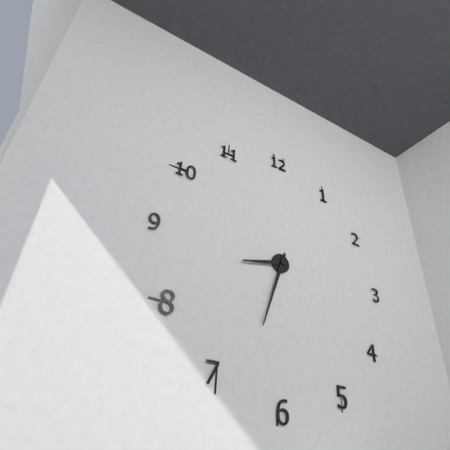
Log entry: 8h33
